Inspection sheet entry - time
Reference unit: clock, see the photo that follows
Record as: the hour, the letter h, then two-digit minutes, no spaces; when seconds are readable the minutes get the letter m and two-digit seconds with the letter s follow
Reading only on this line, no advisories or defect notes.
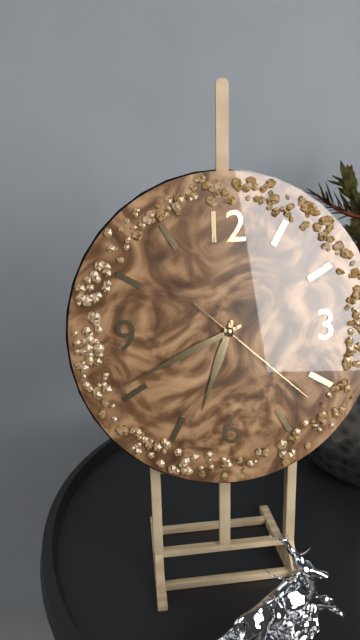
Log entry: 6h41m22s
